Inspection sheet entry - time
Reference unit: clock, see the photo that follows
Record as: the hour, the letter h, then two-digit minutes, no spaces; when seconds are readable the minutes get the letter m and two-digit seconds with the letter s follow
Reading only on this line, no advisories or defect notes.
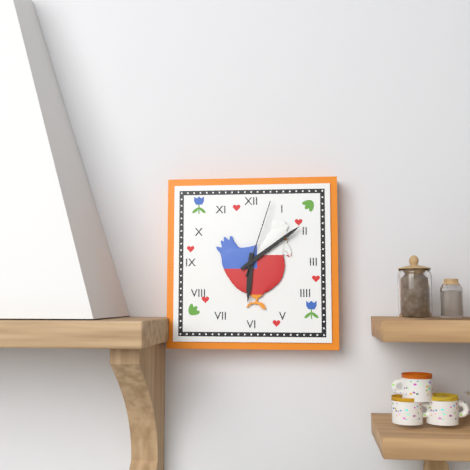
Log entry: 6h09m03s
